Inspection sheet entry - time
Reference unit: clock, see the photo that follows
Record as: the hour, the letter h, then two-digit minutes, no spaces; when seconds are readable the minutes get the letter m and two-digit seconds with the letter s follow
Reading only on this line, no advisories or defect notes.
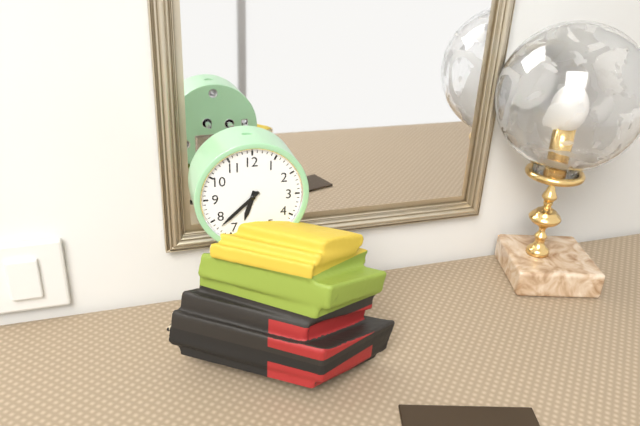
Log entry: 6h38
